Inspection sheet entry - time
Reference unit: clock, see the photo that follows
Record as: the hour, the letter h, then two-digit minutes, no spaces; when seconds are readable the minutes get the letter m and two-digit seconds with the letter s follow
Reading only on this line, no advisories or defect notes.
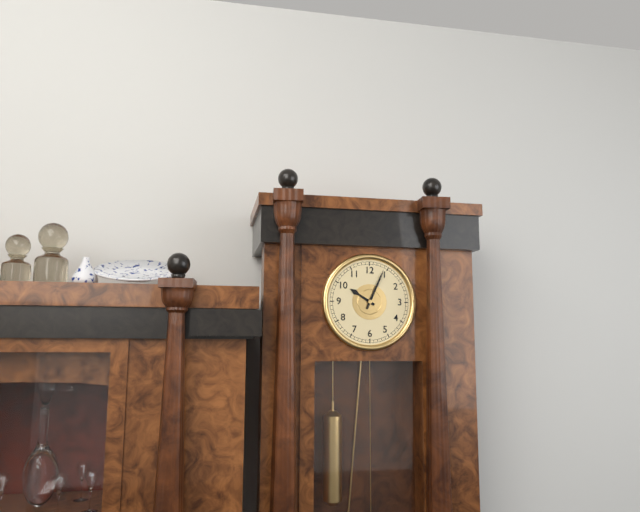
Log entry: 10h04
